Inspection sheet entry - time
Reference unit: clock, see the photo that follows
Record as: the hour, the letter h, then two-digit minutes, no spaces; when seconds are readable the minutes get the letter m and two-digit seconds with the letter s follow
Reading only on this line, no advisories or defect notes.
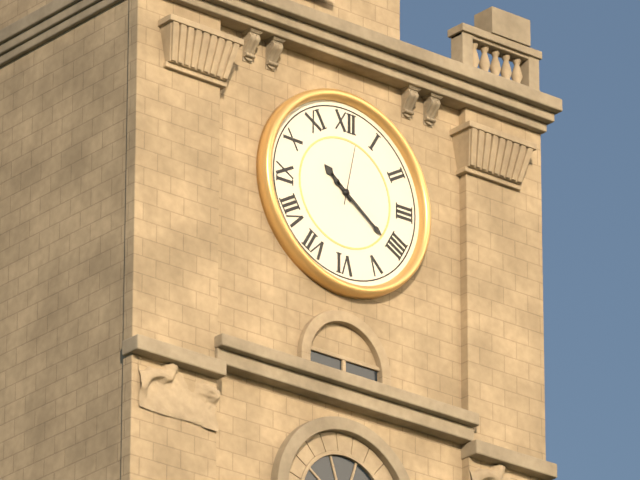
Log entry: 10h21m02s
